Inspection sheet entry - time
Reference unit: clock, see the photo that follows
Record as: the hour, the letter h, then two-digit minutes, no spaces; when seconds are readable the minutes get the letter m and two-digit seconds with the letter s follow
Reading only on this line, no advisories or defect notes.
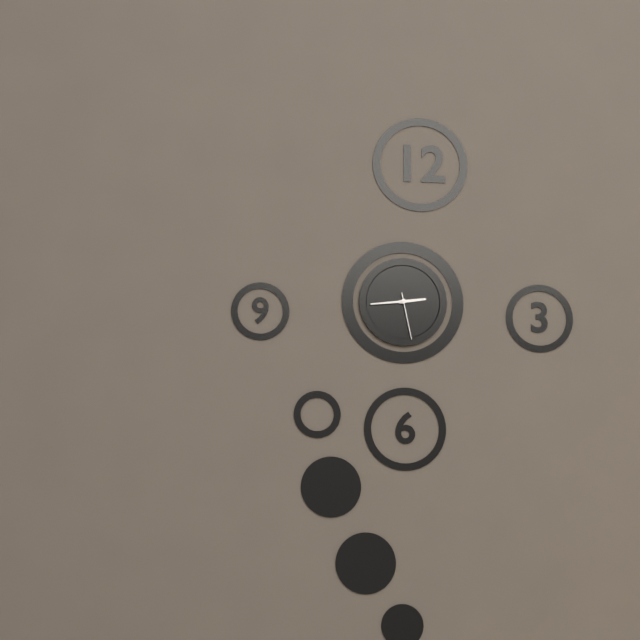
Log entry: 2h44
